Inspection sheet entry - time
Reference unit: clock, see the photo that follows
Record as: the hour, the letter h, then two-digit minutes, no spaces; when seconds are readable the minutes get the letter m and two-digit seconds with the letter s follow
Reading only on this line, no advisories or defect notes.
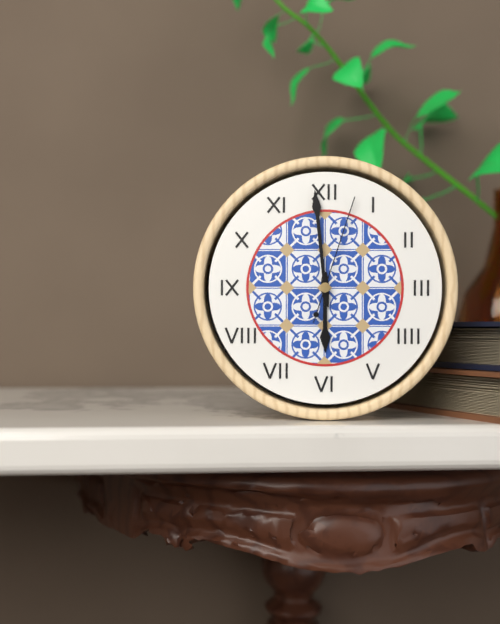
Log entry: 5h59m03s
